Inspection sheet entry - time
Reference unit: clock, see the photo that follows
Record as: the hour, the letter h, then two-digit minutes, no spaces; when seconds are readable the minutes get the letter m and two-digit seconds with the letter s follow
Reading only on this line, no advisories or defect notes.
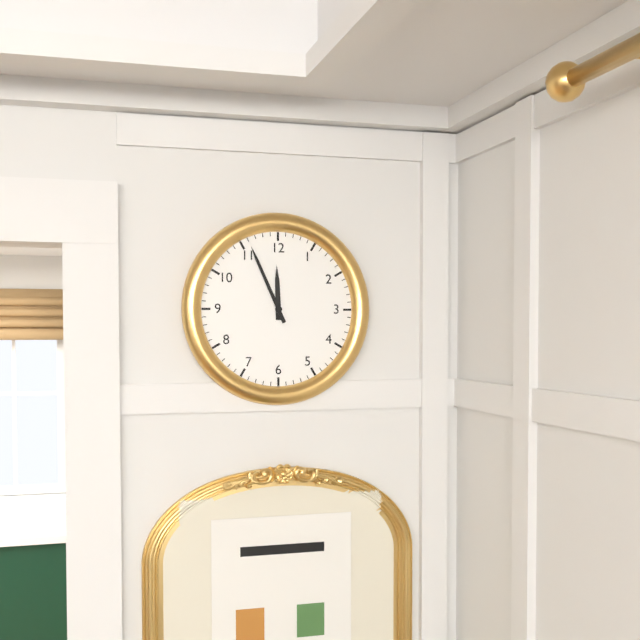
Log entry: 11h56
